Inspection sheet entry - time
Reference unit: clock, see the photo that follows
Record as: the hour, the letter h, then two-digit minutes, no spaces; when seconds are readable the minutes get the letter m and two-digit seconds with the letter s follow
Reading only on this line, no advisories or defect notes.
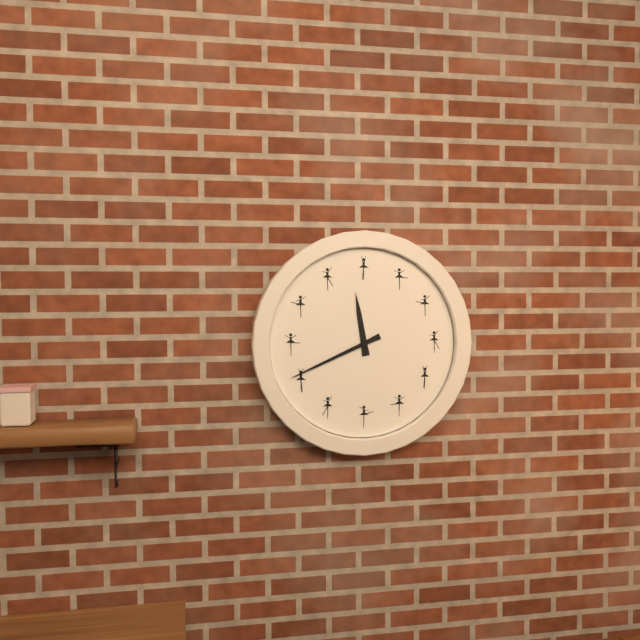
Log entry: 11h41
